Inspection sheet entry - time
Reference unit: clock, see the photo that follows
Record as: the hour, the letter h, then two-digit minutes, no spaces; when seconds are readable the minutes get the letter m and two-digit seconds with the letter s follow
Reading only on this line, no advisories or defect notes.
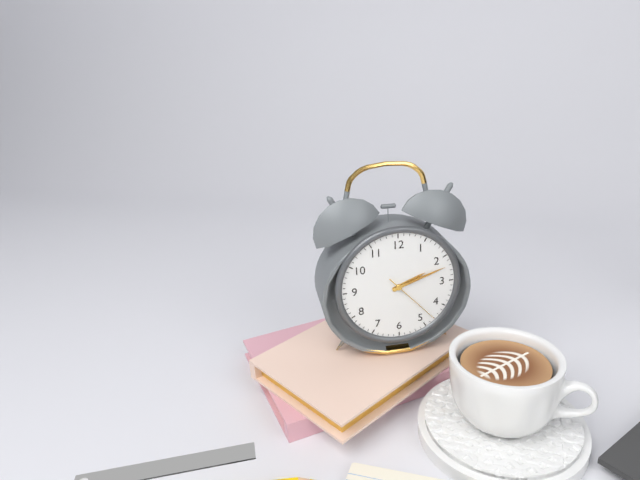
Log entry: 2h12m23s
